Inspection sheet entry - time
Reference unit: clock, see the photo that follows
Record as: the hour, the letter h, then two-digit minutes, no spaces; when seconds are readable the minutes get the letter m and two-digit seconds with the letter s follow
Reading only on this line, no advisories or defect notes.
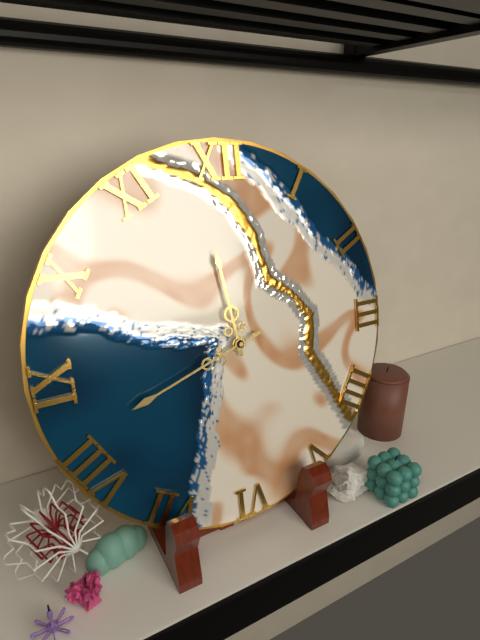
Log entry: 11h42
